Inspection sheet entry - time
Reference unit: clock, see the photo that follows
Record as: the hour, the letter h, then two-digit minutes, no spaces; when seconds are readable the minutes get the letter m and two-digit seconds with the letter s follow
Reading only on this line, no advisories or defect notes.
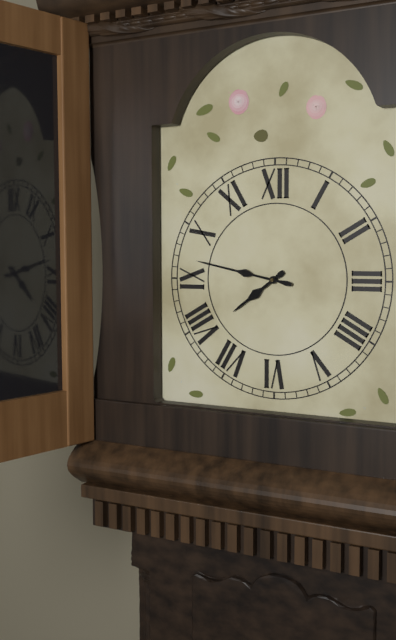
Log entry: 7h47
